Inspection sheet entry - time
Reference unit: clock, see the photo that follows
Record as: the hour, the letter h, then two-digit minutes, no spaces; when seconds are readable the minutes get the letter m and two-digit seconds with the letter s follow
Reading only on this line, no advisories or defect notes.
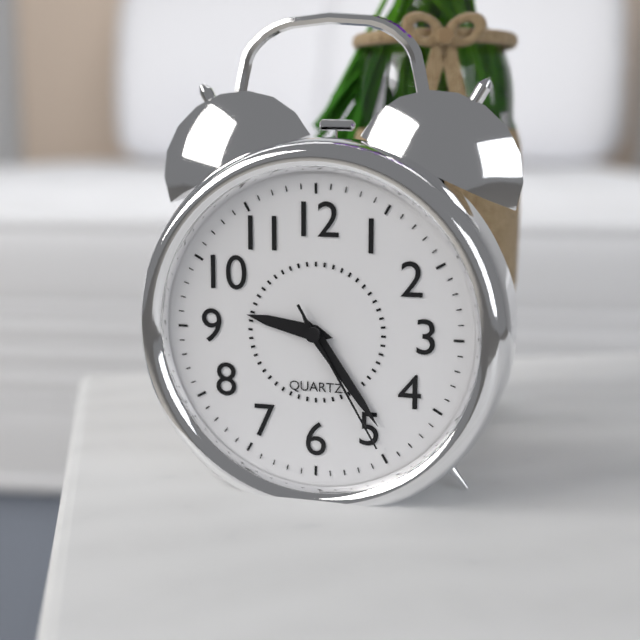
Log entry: 9h24m25s
